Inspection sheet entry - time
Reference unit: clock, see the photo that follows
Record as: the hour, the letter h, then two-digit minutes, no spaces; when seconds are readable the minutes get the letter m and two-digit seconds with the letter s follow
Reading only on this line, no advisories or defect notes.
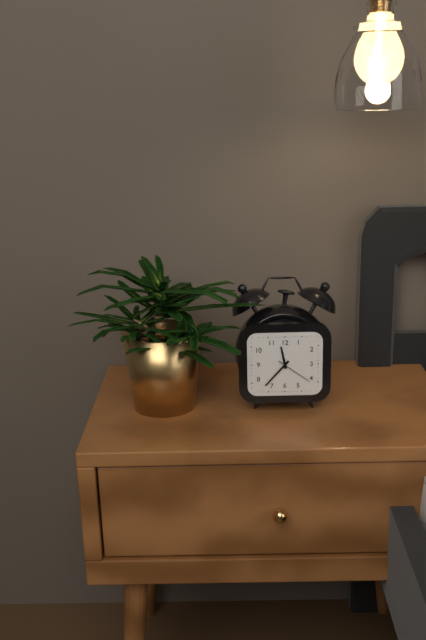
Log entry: 11h37
